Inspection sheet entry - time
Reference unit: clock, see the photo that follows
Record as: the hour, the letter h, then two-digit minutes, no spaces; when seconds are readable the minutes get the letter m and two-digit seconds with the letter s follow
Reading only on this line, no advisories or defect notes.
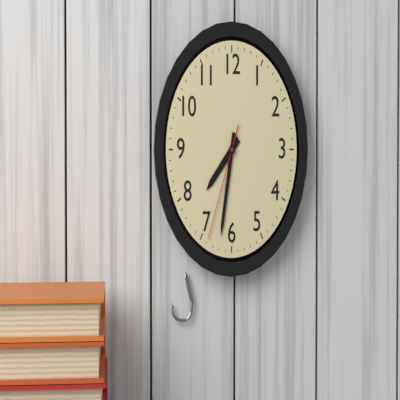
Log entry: 7h32m34s
